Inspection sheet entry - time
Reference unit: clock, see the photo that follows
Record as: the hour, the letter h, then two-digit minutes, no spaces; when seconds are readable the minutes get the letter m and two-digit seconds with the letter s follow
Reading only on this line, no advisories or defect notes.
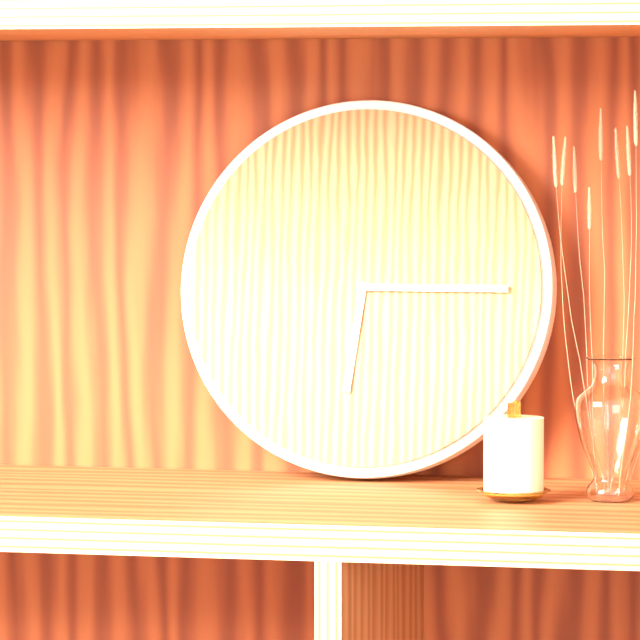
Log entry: 6h15
